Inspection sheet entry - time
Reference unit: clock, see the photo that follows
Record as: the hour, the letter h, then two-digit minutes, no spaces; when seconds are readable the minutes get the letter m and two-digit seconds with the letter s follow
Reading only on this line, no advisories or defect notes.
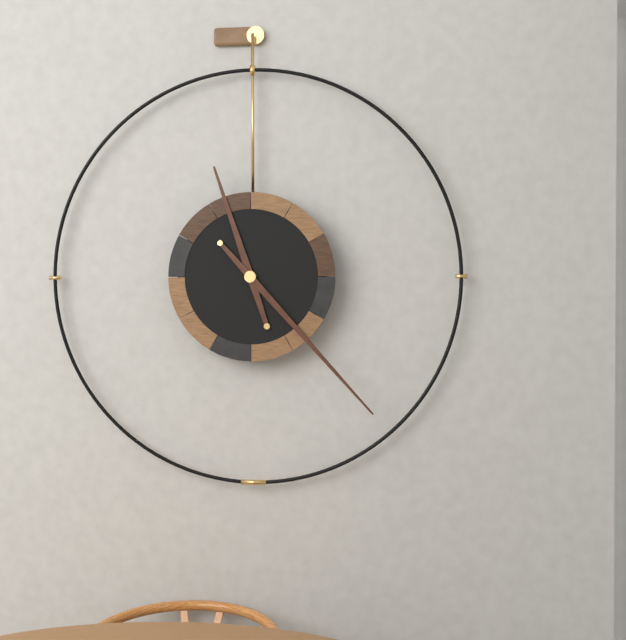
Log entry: 11h23
